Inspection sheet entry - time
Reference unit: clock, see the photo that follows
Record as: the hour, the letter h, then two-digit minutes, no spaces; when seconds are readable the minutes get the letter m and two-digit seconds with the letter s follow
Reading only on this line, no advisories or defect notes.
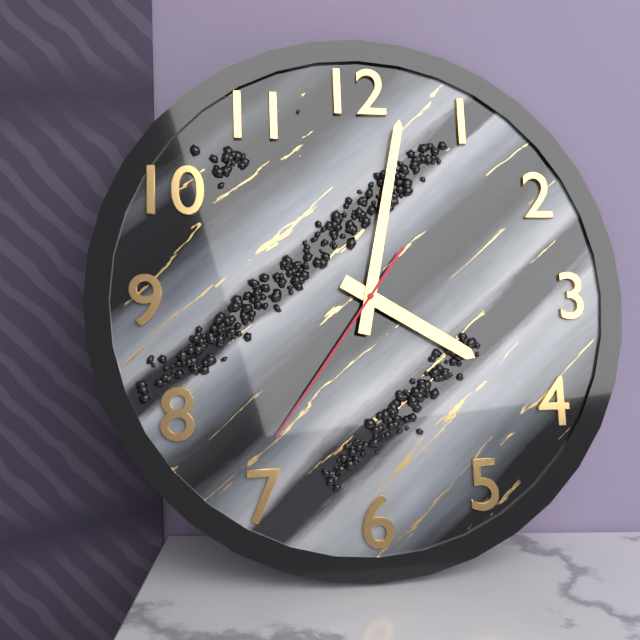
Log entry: 4h02m36s
